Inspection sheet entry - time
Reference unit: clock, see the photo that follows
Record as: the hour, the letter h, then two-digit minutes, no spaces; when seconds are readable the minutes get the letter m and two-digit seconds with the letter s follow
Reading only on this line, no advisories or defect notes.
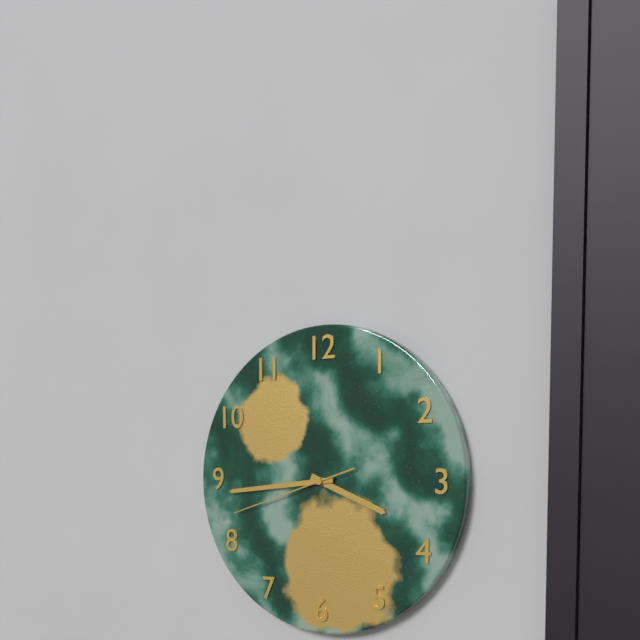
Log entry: 3h44m42s
